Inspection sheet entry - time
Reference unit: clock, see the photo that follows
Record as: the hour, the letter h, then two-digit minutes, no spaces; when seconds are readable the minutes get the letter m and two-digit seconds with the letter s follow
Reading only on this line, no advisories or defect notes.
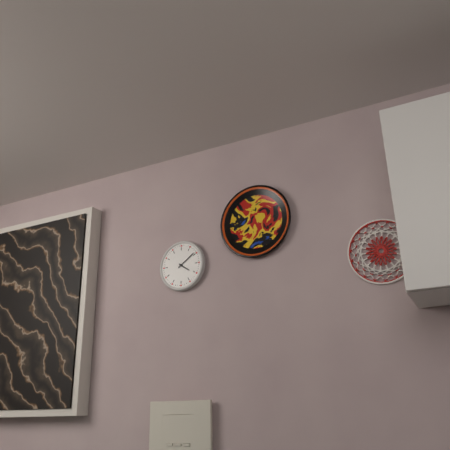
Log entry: 4h09
